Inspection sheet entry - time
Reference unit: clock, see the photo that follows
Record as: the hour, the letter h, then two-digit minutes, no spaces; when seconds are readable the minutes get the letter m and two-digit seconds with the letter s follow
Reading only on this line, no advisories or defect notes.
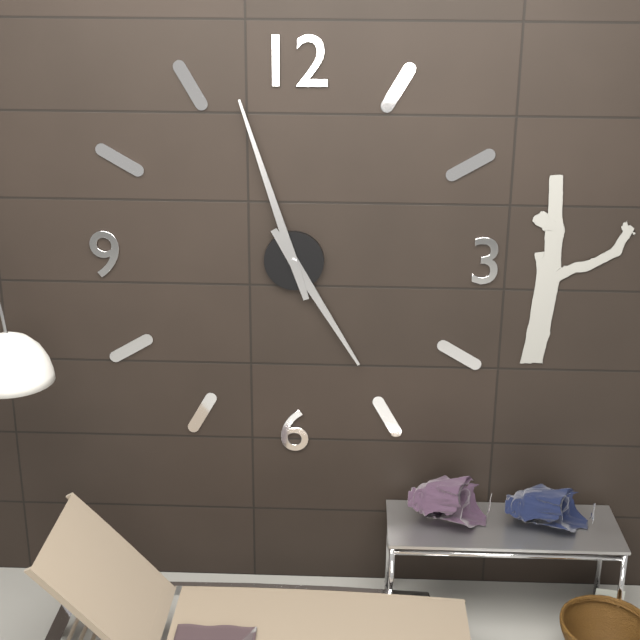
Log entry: 4h57
